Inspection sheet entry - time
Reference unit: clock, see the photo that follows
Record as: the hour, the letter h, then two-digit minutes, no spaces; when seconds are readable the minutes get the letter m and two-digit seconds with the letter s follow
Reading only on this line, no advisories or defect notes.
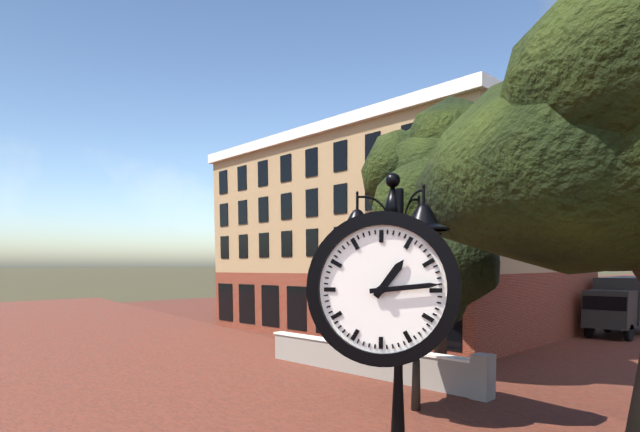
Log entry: 1h14
